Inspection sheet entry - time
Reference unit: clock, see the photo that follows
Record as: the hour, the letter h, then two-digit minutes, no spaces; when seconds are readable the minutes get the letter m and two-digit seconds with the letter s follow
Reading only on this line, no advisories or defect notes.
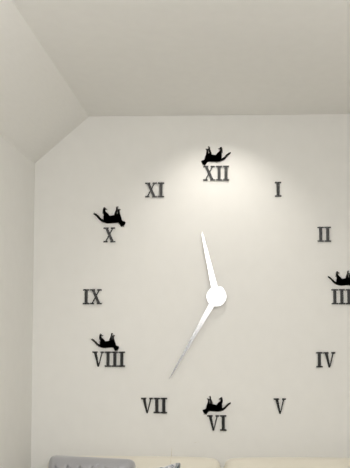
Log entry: 11h35
